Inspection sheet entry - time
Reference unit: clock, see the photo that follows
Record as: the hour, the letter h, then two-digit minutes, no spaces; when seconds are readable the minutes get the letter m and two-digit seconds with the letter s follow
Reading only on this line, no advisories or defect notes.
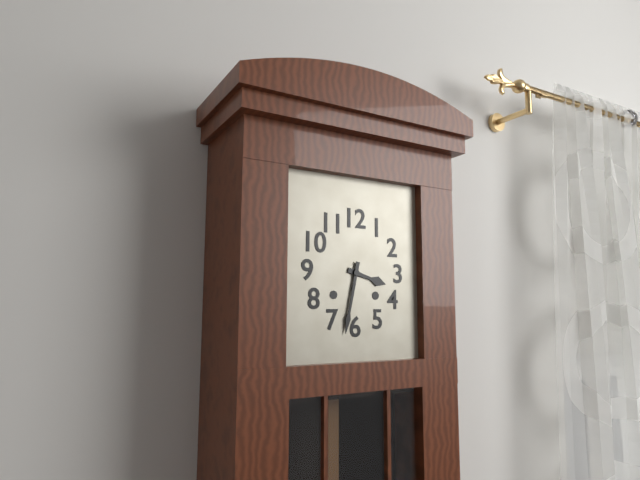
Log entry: 3h32
